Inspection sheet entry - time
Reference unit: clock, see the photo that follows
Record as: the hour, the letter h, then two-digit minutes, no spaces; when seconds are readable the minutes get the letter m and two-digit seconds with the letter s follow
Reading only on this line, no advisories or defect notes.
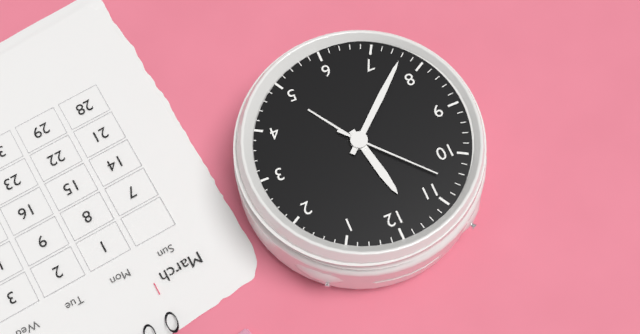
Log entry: 11h38m53s
